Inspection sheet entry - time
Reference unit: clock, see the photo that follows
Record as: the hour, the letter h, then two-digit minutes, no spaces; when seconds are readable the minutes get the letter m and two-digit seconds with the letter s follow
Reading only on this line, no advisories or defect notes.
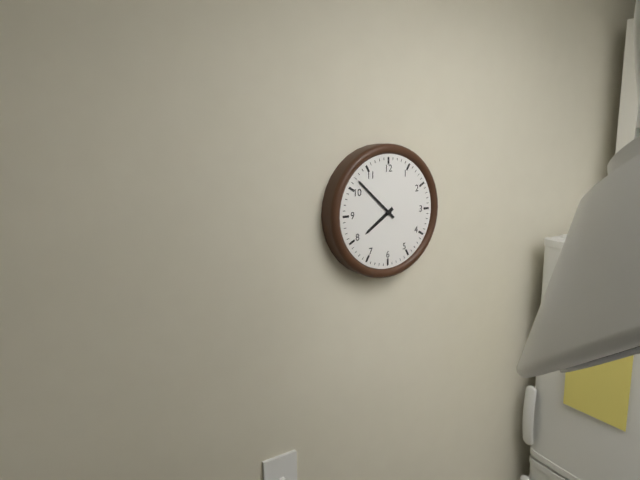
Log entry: 7h52
